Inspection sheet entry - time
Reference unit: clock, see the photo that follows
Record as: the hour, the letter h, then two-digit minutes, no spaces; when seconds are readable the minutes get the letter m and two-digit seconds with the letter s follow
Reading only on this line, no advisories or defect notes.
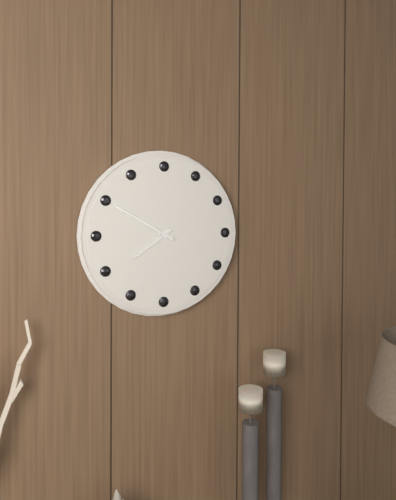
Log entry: 7h50
